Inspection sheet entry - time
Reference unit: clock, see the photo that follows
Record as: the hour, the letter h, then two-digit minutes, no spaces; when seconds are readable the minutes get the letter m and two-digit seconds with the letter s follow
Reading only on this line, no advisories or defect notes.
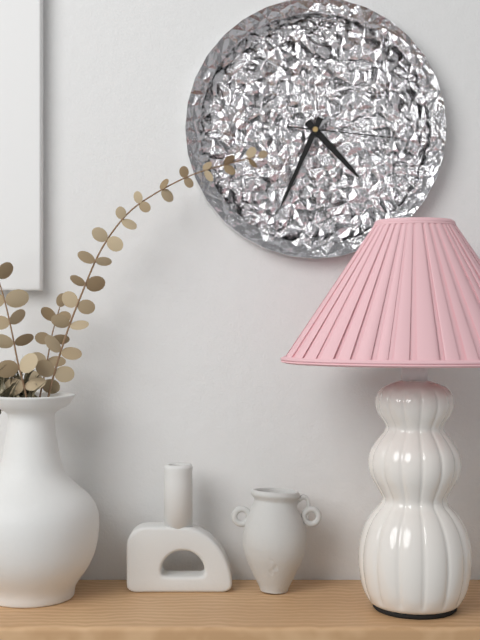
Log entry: 4h34m16s
